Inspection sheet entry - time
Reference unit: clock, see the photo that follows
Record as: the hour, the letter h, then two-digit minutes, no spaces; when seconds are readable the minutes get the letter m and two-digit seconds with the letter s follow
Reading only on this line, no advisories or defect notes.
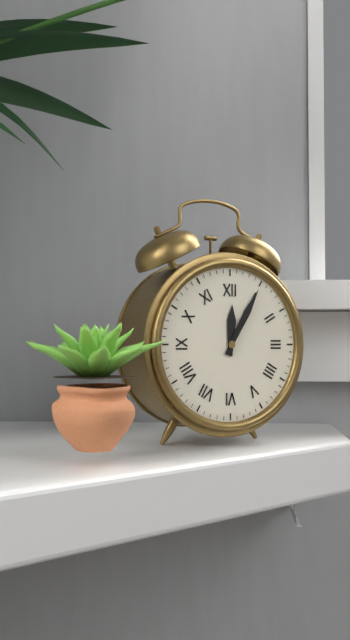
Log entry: 12h05
